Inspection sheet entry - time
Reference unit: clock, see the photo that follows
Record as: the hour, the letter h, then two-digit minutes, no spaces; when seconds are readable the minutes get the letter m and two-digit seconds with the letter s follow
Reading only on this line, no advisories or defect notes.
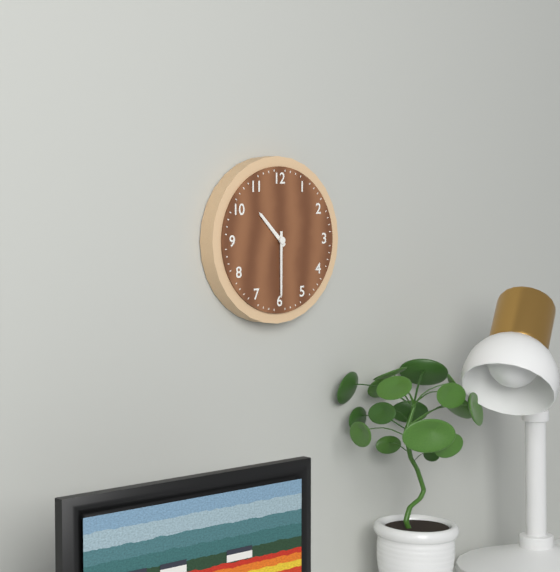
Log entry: 10h30
